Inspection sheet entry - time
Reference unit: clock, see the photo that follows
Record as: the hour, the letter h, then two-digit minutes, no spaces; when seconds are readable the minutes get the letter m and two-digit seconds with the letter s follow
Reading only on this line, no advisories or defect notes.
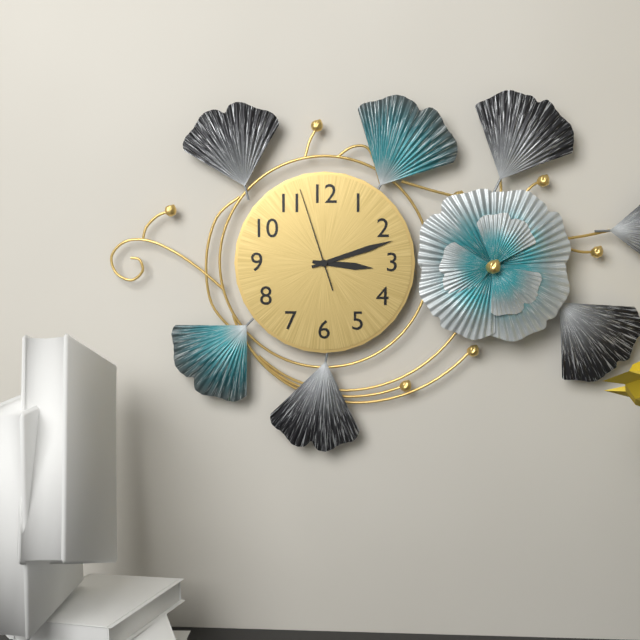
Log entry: 3h12m57s
